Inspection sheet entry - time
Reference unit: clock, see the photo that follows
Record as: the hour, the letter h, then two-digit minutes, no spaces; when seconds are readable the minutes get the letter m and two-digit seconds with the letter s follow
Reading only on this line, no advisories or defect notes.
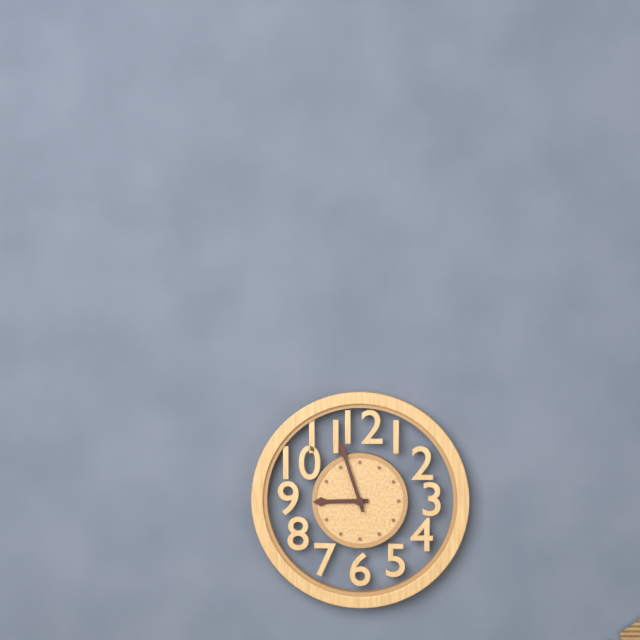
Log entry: 8h57
